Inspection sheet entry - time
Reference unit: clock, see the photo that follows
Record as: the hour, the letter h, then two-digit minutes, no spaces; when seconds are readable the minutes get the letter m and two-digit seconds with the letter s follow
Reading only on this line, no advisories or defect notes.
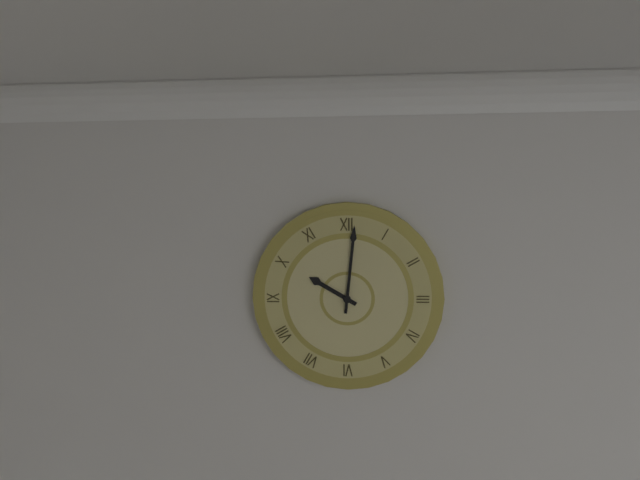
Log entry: 10h01
